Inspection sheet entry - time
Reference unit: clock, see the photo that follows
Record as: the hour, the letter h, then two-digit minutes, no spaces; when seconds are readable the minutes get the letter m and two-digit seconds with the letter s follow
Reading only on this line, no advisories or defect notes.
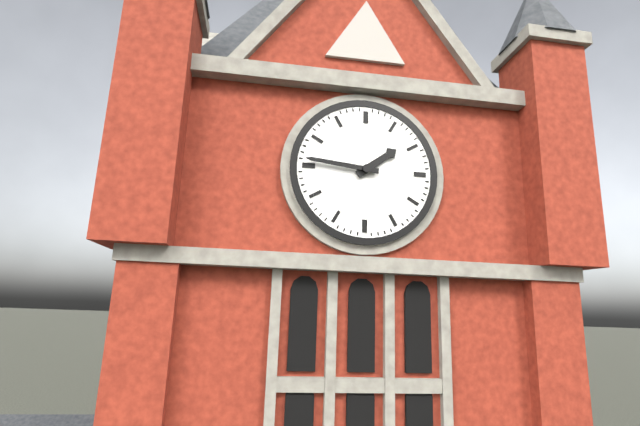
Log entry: 1h46
